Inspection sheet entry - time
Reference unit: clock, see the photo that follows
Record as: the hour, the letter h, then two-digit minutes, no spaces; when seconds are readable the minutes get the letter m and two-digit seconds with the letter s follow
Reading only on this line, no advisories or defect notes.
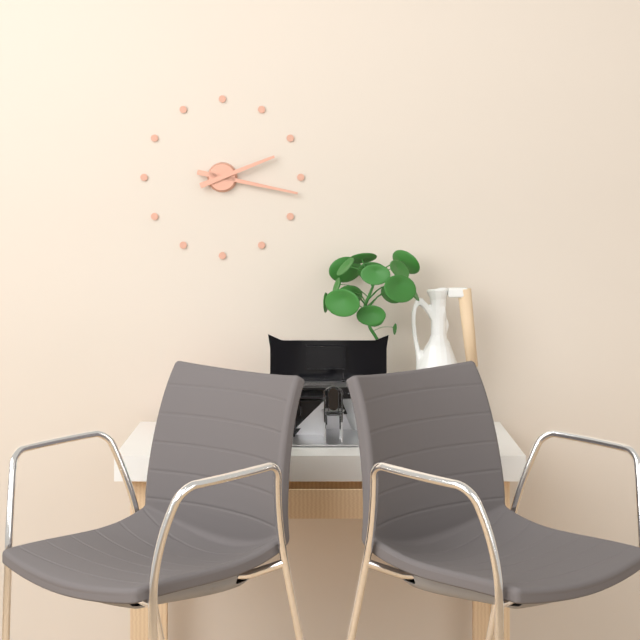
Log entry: 2h17
